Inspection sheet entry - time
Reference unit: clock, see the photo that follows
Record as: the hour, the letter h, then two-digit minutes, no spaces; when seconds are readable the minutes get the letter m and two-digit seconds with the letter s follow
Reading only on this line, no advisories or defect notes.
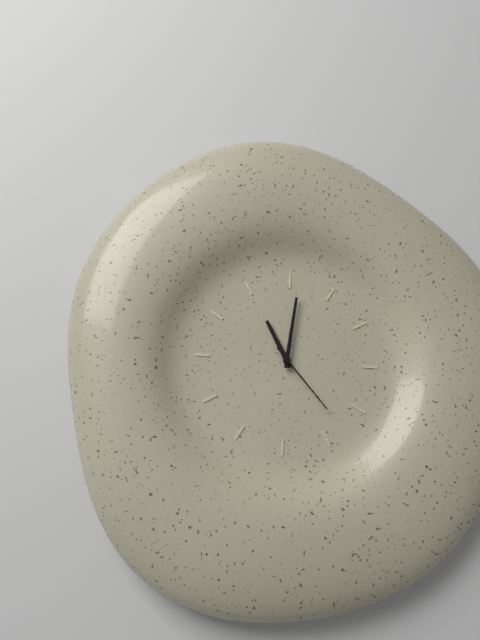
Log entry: 11h01m23s
